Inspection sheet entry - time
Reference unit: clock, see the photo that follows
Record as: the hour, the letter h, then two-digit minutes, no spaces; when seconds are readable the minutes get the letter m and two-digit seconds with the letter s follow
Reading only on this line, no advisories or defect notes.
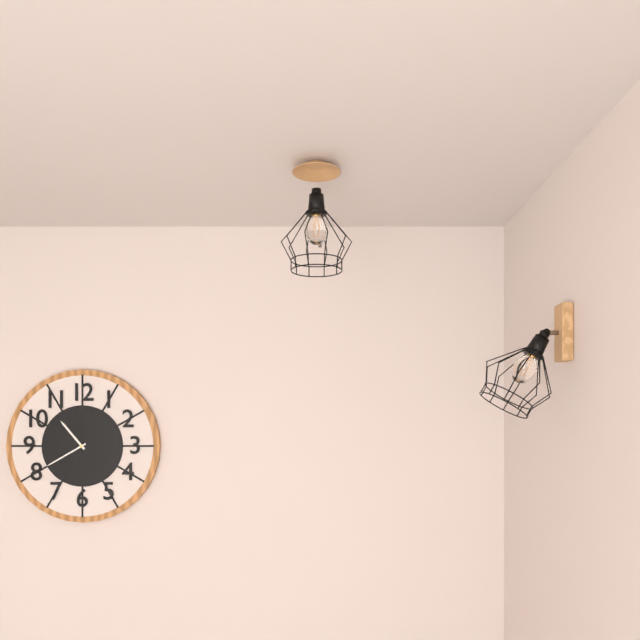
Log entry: 10h40
